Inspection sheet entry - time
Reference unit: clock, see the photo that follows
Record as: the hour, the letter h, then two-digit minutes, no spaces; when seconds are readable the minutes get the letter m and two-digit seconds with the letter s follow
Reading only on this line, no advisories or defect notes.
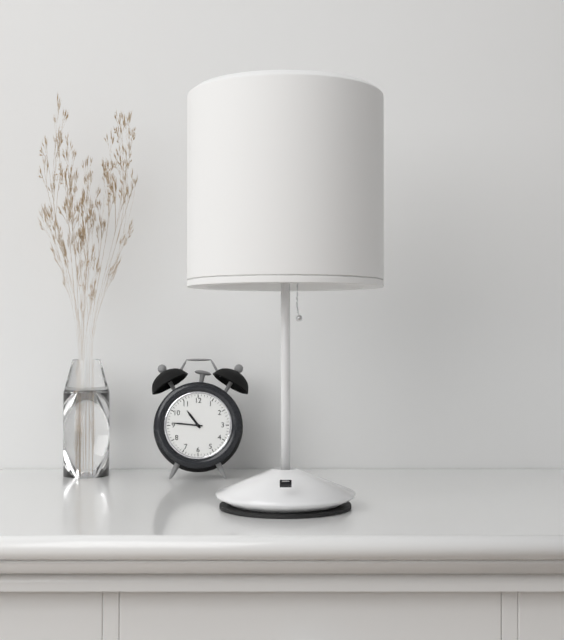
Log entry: 10h46
